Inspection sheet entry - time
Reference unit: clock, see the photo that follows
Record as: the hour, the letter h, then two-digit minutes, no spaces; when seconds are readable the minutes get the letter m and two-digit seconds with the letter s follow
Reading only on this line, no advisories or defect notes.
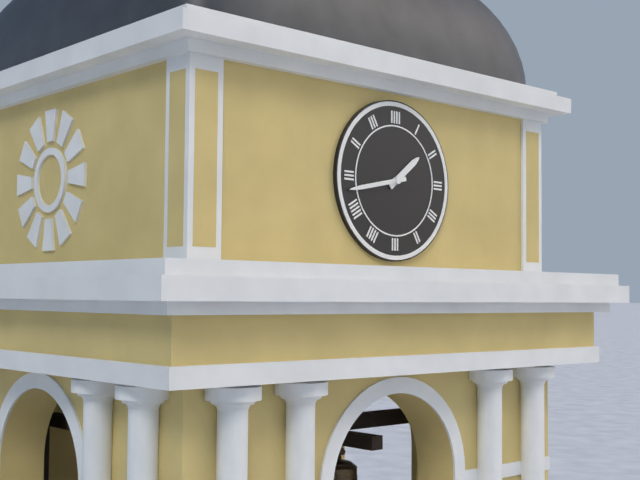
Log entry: 1h43
